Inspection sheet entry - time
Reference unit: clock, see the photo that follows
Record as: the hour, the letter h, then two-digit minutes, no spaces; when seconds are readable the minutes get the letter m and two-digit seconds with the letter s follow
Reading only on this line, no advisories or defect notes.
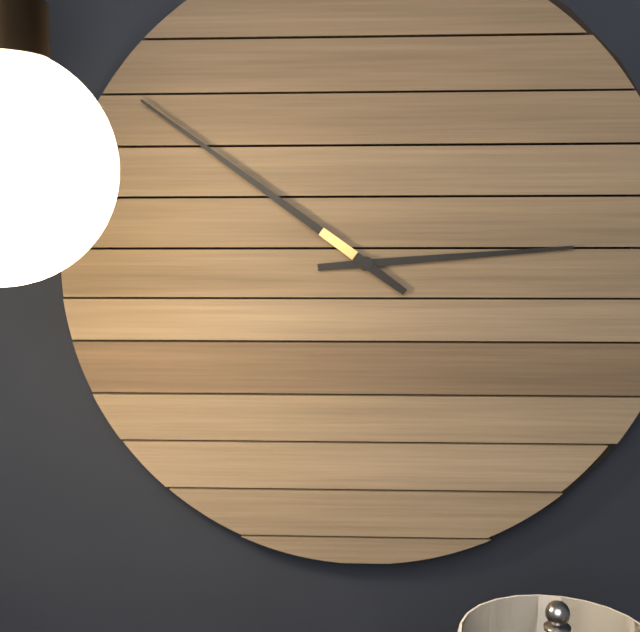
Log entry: 2h51
